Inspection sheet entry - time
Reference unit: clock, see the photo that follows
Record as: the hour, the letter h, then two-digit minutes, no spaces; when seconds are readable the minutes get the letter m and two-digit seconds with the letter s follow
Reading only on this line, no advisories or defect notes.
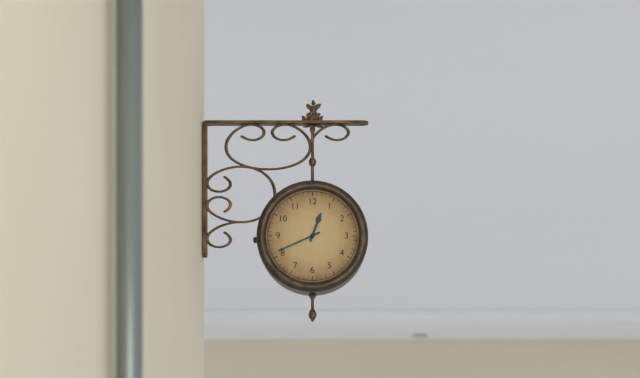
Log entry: 12h41
